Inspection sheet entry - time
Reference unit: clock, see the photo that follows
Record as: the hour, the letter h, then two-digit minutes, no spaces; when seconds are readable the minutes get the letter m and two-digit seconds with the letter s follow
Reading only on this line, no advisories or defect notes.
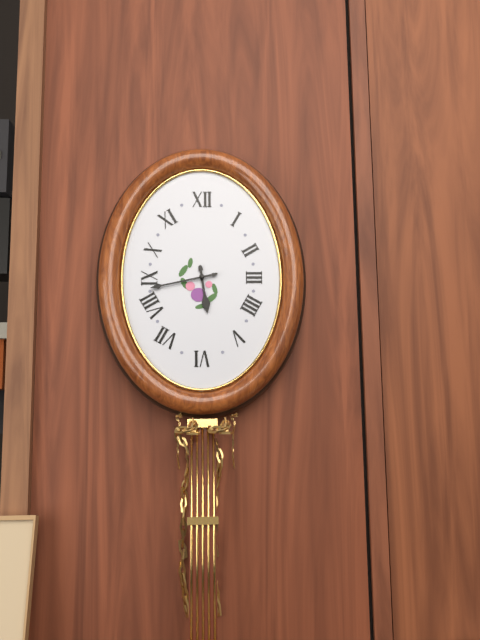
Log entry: 5h43
